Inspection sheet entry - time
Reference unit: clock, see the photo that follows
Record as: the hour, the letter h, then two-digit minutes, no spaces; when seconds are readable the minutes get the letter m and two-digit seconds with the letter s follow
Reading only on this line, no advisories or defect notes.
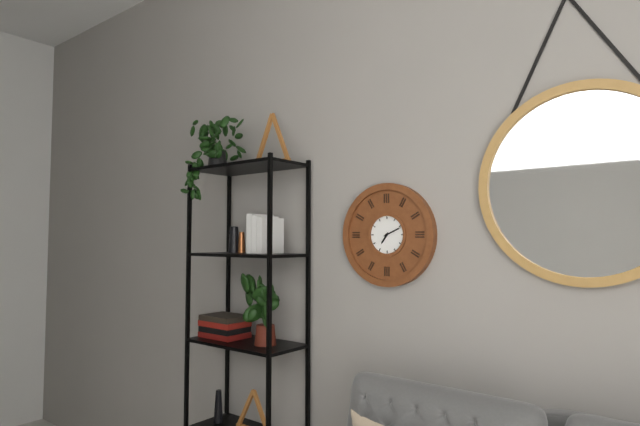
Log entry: 7h11
